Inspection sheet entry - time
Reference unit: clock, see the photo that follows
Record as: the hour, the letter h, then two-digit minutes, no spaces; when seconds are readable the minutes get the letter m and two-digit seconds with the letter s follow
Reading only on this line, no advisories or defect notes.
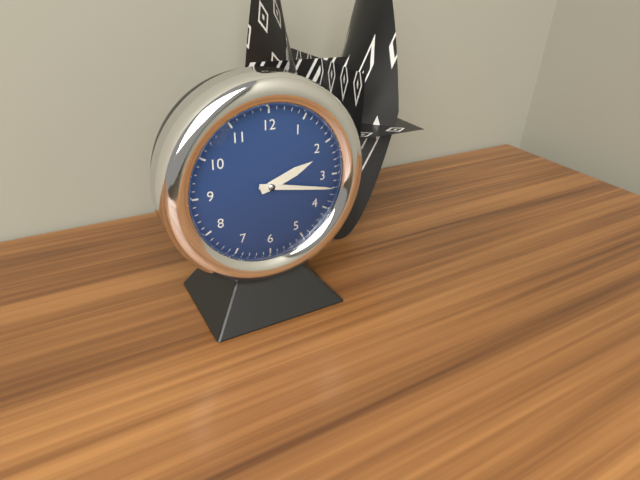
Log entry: 2h17
